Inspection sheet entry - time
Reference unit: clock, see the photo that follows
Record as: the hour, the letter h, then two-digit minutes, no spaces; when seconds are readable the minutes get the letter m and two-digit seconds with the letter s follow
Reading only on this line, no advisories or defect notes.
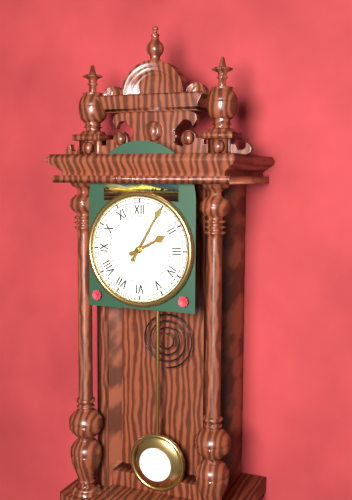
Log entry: 2h05
